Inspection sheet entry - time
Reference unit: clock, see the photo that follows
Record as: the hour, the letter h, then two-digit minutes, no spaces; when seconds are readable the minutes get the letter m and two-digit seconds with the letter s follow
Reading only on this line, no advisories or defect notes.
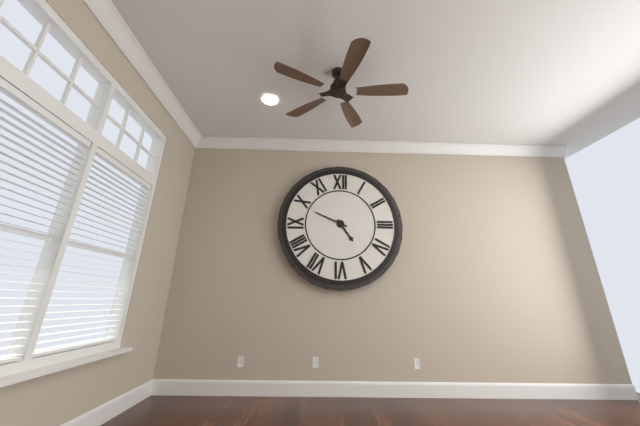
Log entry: 4h49
